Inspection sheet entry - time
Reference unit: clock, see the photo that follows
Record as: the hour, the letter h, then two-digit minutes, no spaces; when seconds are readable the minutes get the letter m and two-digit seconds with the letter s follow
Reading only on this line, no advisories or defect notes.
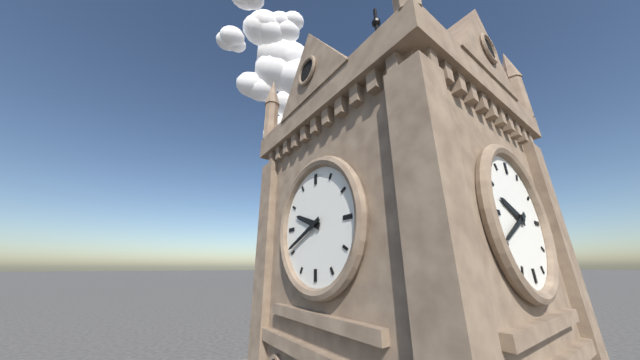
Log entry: 9h41
